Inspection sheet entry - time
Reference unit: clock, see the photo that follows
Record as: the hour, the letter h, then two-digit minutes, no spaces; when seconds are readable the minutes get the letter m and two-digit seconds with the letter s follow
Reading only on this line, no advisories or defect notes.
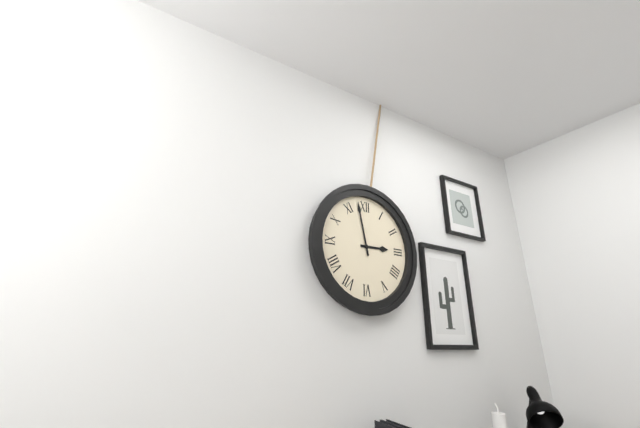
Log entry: 2h58
